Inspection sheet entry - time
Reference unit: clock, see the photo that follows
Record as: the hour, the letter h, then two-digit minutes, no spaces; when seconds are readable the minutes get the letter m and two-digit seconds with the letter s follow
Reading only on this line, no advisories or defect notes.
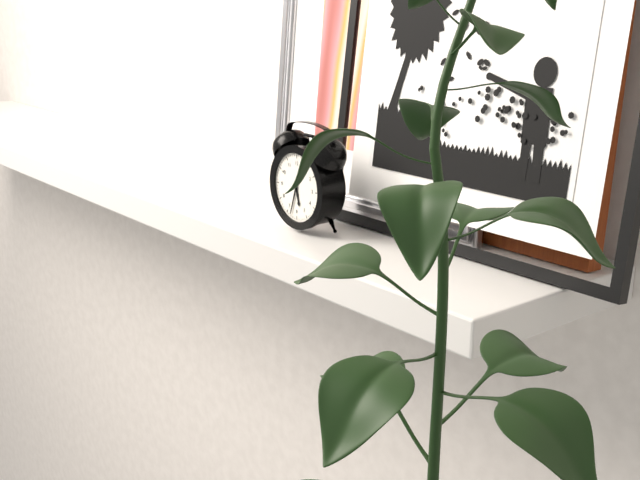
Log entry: 5h33
